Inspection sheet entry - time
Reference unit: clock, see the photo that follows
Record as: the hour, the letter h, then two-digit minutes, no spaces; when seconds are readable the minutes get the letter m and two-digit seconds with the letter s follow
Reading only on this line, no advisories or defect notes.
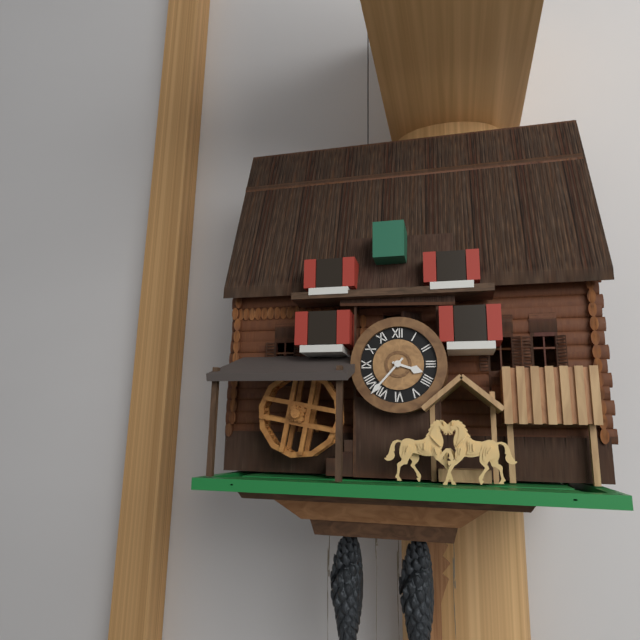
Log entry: 3h37
